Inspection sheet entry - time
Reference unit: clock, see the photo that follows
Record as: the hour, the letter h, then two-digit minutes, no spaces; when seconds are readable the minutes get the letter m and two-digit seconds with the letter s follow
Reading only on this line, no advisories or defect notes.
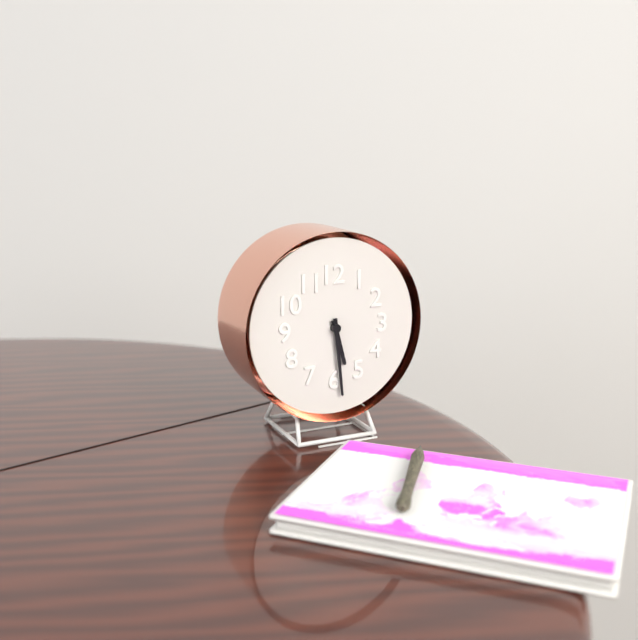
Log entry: 5h29
